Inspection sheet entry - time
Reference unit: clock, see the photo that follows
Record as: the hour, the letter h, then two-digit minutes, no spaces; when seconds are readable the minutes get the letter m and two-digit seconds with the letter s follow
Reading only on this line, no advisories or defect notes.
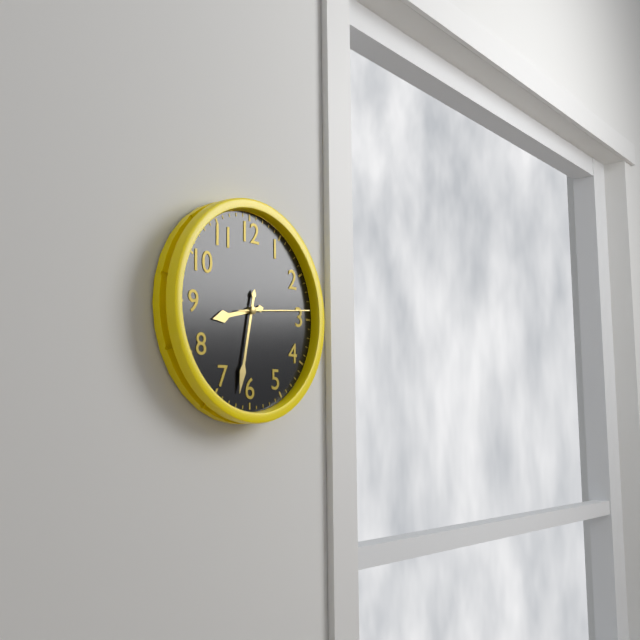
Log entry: 8h32m14s
